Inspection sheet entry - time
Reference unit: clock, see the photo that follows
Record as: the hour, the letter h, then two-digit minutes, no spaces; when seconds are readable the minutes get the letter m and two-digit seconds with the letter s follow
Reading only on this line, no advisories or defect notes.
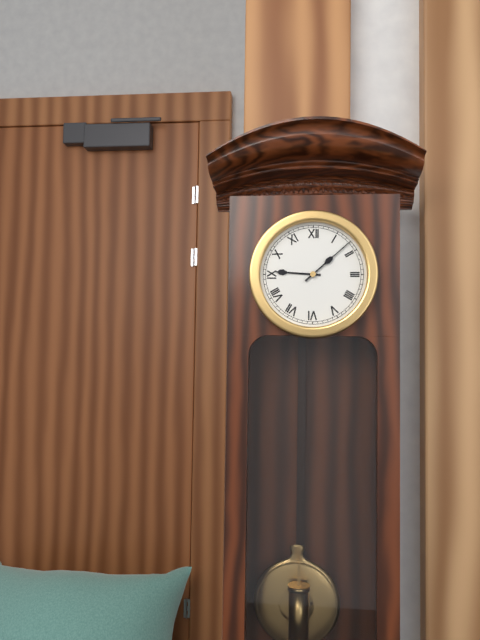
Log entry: 9h08
